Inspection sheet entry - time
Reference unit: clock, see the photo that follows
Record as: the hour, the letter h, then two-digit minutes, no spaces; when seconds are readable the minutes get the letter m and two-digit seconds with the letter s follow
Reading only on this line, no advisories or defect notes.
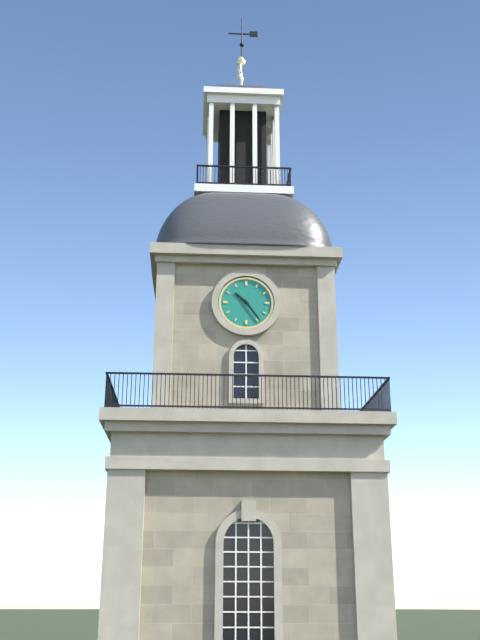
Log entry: 10h24
